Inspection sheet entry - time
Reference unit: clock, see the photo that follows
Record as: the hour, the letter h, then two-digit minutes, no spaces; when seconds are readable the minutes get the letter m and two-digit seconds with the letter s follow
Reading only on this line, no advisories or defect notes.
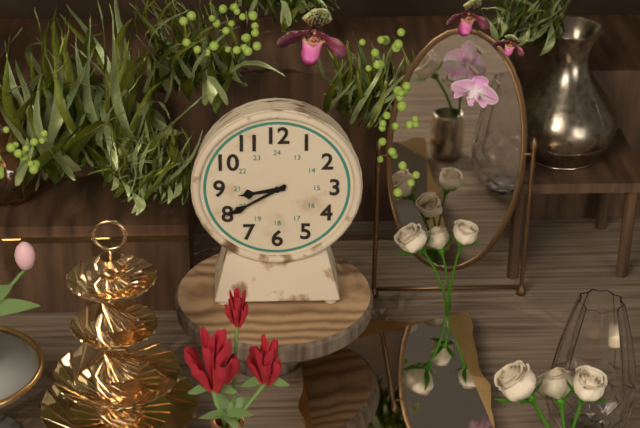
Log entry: 8h40
